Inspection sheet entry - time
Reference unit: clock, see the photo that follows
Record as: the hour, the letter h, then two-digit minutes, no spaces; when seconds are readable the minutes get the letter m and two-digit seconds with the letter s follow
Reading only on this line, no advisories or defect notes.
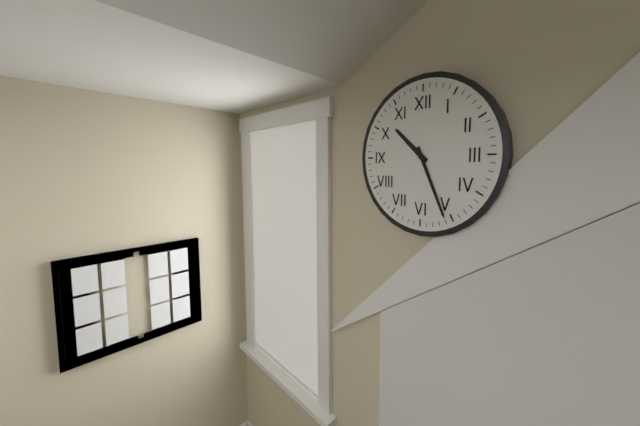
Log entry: 10h26
